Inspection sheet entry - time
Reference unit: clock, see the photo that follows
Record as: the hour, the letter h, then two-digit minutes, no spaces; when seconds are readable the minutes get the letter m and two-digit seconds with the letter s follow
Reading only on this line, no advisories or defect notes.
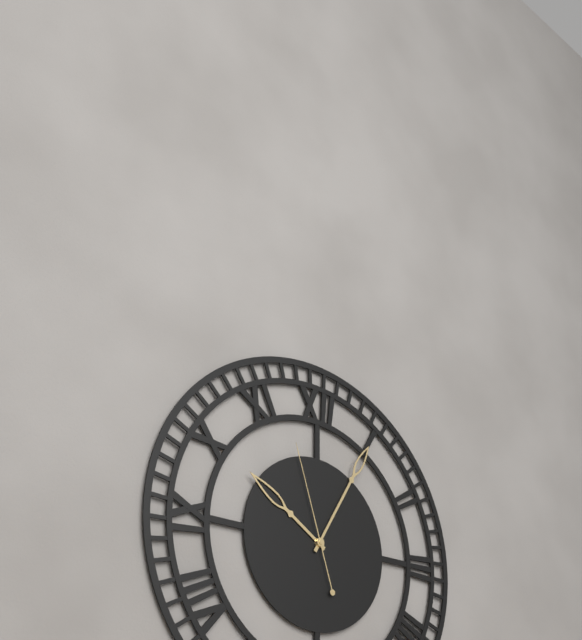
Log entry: 10h05m57s
